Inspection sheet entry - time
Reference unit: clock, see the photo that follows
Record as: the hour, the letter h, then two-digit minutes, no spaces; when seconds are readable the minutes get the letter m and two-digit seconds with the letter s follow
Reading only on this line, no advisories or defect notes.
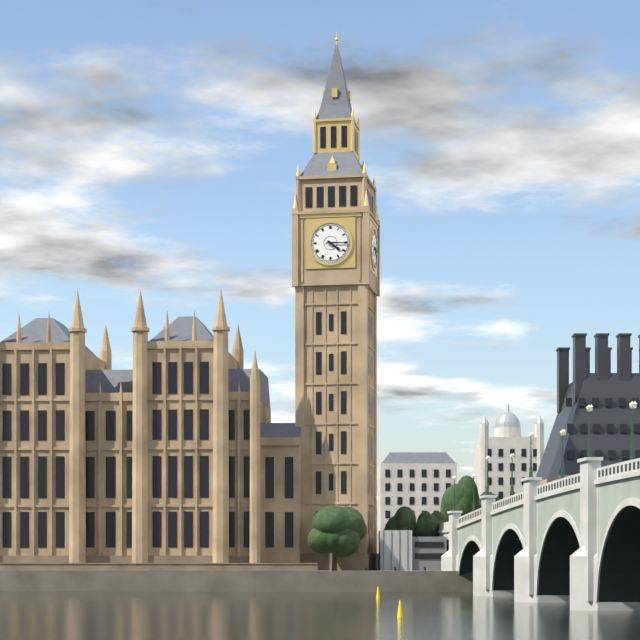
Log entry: 4h15
